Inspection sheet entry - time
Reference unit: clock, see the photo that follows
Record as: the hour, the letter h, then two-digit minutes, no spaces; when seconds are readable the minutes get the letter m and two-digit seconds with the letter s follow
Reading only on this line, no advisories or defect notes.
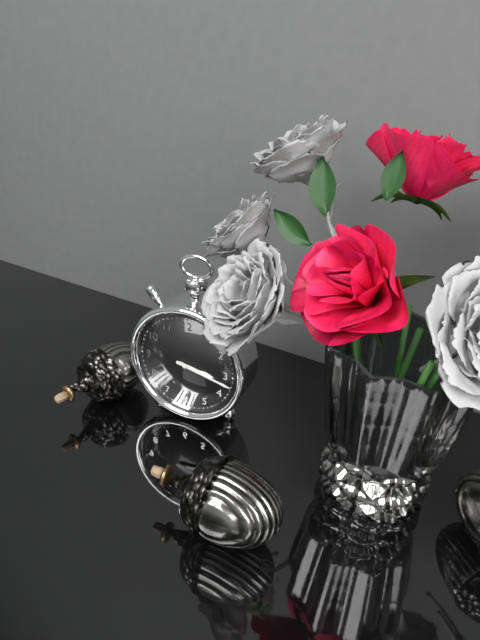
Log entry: 3h17
